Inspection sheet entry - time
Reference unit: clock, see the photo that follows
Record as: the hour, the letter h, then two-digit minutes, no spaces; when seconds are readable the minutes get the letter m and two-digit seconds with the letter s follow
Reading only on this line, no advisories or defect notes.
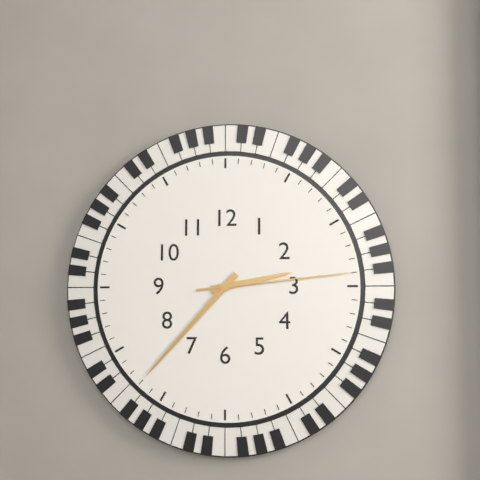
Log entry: 2h37m14s
